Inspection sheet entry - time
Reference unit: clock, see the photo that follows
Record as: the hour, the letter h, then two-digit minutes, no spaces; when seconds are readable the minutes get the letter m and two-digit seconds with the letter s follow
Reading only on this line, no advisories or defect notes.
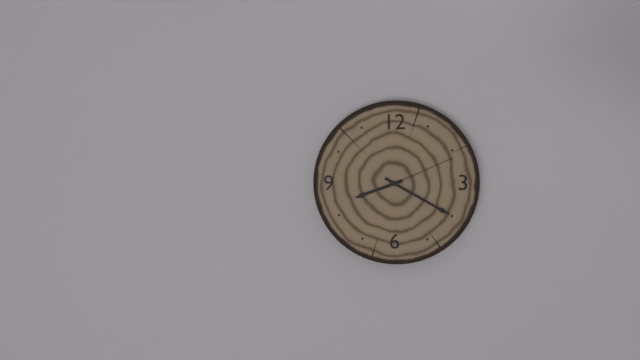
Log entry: 8h20m11s
